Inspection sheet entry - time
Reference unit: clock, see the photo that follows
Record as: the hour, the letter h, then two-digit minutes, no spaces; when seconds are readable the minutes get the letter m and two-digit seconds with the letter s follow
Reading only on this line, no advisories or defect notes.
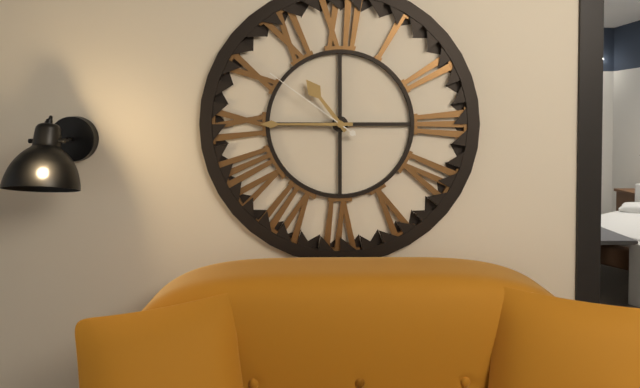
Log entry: 10h45m51s
